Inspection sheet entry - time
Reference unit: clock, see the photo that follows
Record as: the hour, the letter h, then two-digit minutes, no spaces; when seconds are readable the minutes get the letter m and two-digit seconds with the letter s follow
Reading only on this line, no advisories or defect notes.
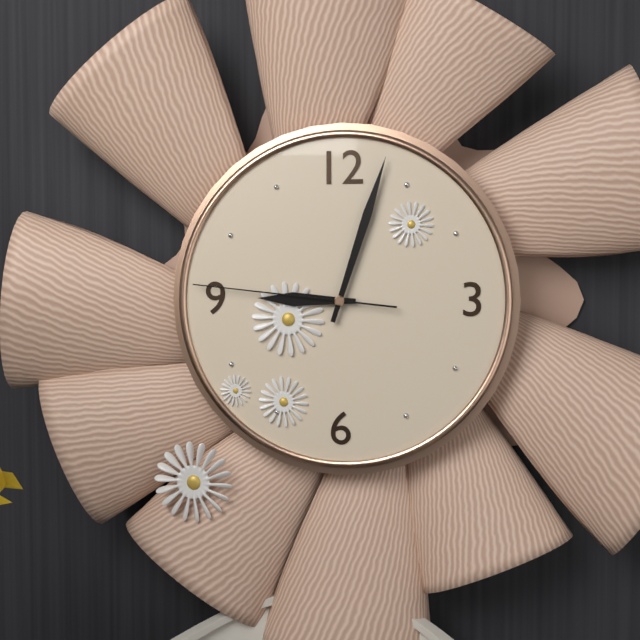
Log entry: 9h03m46s
